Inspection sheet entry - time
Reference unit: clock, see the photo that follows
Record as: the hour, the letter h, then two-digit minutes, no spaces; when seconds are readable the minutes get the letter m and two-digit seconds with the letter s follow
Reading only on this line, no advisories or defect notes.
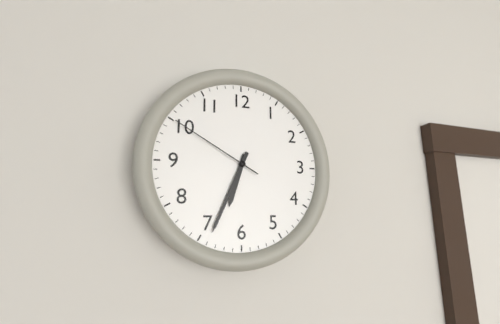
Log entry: 6h34m50s
